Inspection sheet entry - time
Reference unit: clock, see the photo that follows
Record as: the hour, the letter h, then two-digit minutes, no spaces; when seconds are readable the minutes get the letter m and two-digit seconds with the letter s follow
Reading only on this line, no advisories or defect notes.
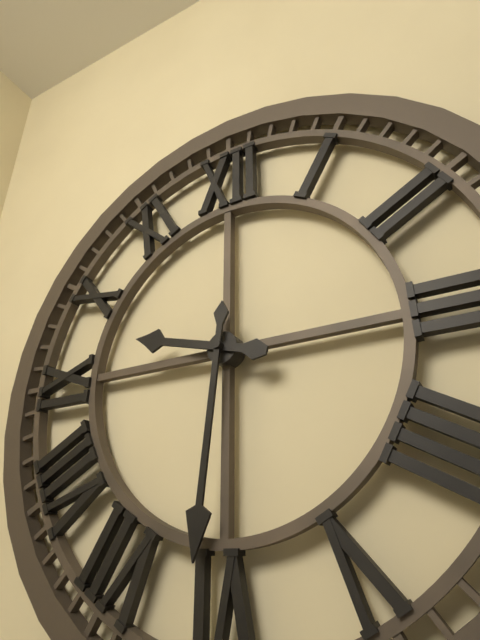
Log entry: 9h31
